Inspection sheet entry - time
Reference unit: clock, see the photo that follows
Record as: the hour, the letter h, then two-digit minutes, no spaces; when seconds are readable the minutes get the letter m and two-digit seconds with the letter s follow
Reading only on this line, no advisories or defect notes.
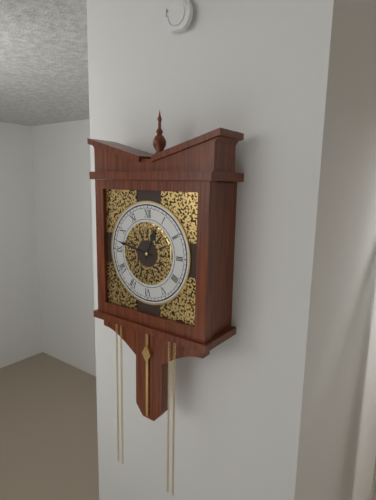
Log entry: 12h47
